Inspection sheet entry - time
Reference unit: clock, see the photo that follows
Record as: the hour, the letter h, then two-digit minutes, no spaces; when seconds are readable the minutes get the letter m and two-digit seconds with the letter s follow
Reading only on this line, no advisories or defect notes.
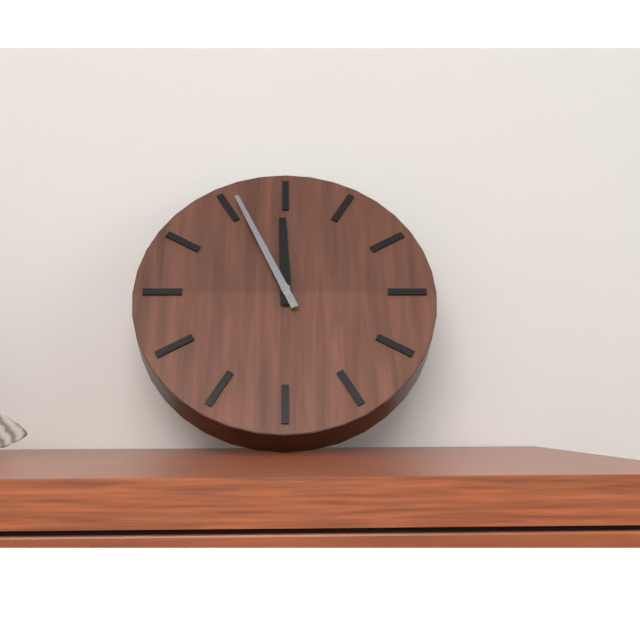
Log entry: 11h56
